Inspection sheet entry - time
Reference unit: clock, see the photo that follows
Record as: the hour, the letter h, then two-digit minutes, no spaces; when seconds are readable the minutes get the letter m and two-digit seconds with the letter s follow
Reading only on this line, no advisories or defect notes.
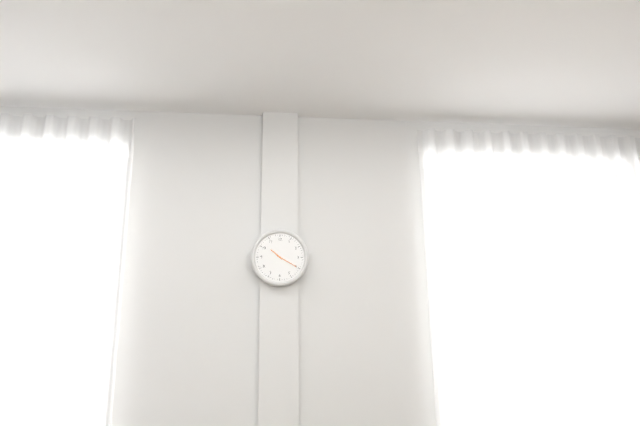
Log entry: 10h20
